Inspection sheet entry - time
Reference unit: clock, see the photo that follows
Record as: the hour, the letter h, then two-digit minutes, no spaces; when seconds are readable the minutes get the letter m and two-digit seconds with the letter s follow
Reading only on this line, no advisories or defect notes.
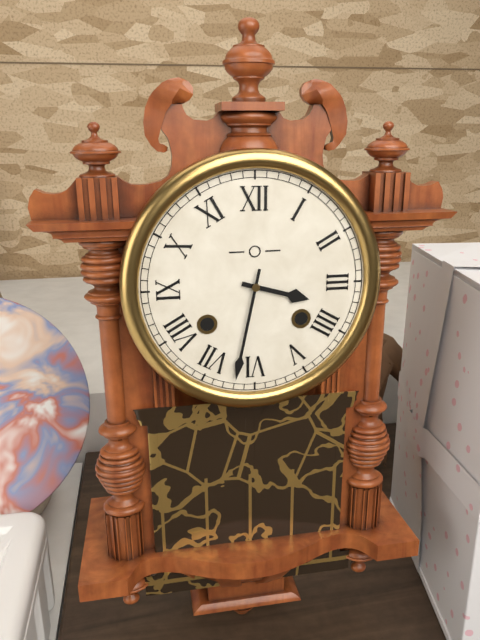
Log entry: 3h32
